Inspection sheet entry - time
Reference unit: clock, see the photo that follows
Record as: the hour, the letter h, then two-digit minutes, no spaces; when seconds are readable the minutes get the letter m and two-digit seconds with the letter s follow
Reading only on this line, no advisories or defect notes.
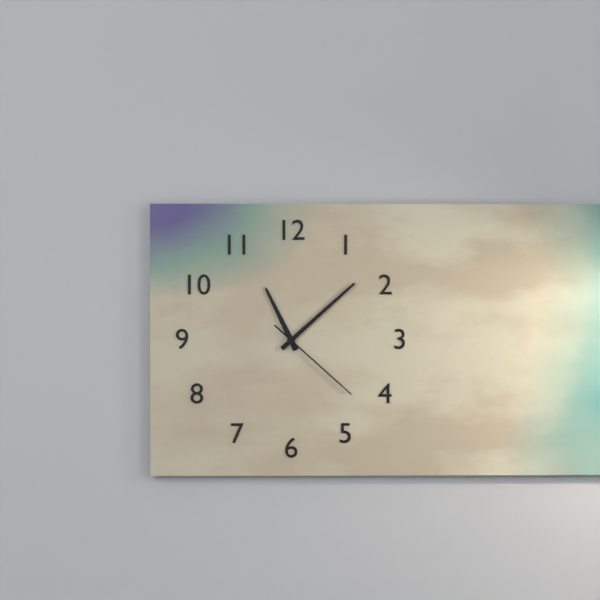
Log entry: 11h08m22s
